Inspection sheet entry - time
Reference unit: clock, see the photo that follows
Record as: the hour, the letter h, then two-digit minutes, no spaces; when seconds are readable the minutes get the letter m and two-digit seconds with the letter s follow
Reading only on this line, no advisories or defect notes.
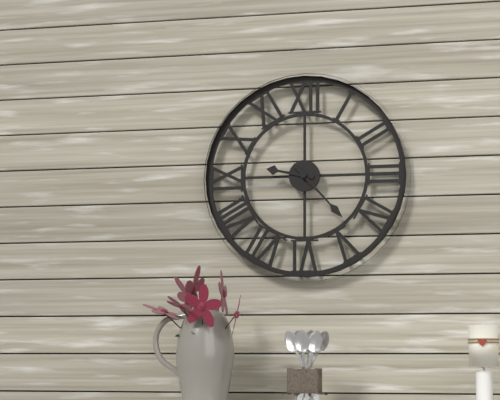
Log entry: 9h23
